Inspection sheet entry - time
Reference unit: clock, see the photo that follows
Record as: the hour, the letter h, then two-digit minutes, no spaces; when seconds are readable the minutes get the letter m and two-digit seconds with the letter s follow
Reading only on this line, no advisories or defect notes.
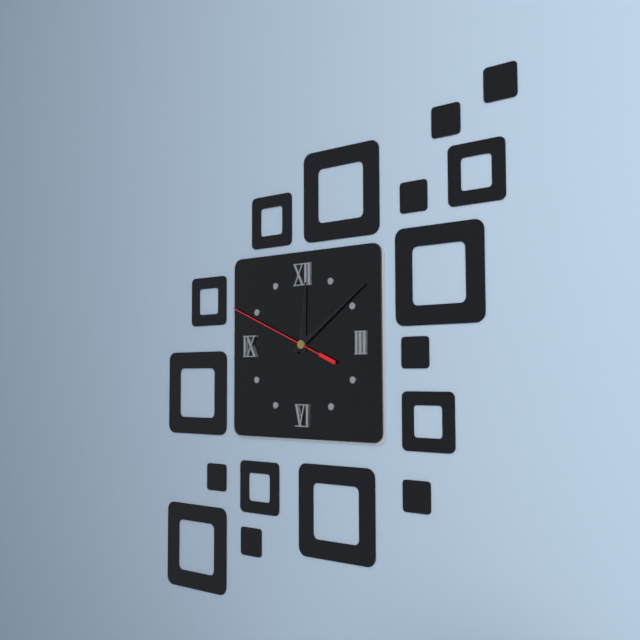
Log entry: 12h09m49s
